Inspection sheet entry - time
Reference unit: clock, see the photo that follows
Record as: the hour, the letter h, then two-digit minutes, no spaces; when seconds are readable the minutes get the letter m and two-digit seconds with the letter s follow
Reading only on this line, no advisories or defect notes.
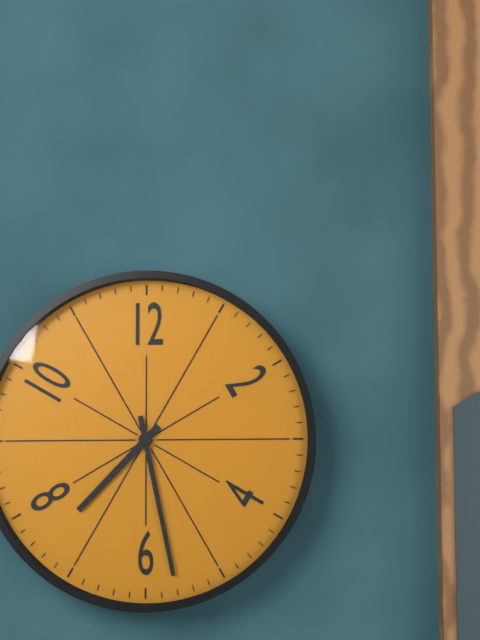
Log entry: 7h28
